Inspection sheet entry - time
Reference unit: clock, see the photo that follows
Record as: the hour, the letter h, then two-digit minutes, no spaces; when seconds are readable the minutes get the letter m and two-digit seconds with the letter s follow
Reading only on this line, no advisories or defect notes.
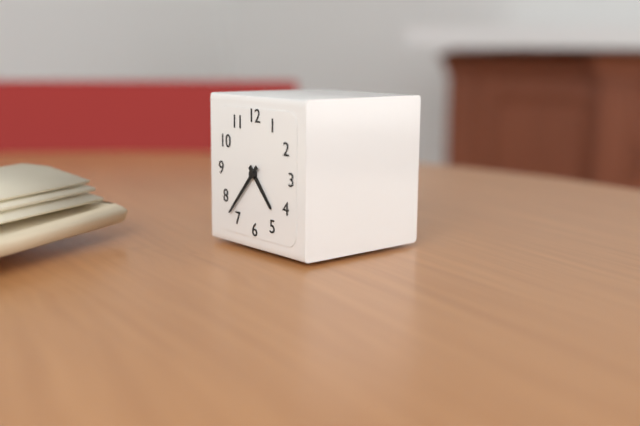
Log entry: 4h37
